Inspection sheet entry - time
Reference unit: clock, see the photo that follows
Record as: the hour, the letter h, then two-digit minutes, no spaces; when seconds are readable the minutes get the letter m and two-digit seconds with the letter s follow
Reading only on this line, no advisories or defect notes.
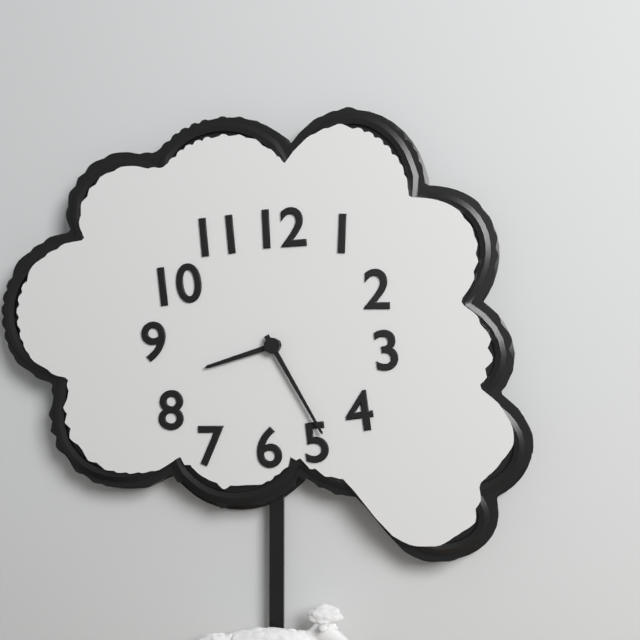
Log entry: 8h25
